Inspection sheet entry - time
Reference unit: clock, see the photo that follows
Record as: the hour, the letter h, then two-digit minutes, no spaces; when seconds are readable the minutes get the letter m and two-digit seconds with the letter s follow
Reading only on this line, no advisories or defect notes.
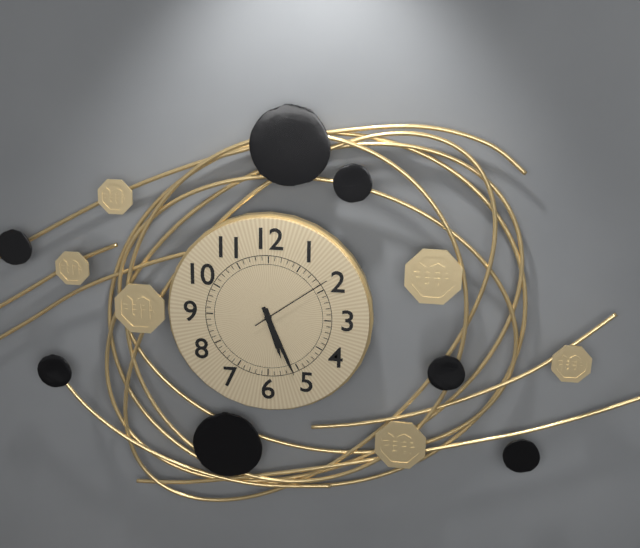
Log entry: 5h26m09s
